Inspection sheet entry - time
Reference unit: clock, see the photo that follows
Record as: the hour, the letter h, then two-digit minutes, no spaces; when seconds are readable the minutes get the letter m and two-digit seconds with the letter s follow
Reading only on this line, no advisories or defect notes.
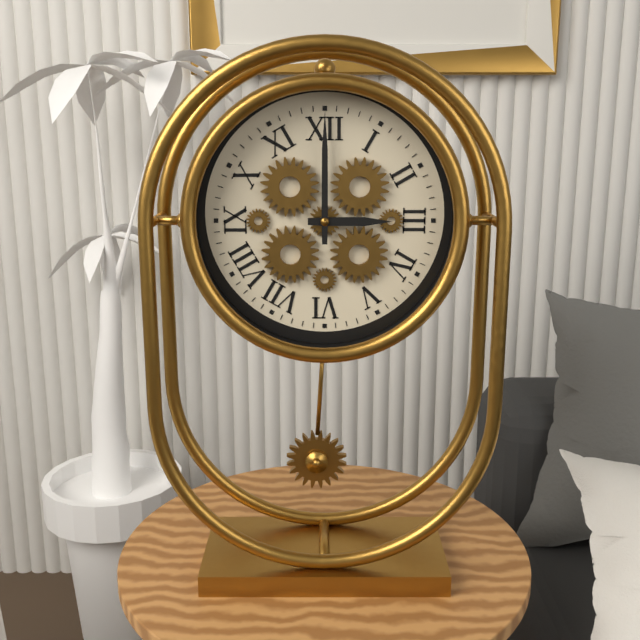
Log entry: 3h00
